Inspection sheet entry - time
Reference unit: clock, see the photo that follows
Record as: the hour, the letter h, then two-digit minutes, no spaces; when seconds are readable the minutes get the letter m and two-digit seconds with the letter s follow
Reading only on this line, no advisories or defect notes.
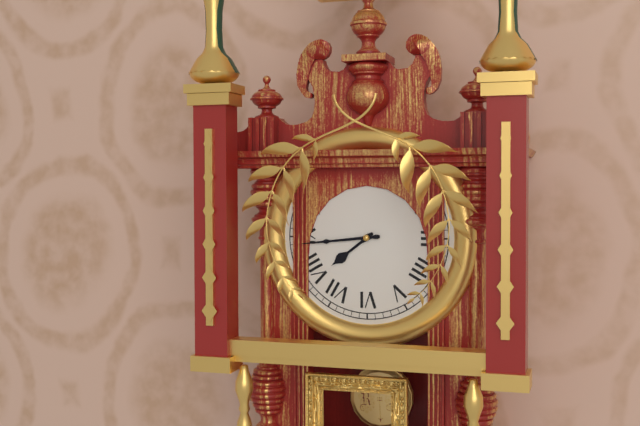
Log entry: 7h44
